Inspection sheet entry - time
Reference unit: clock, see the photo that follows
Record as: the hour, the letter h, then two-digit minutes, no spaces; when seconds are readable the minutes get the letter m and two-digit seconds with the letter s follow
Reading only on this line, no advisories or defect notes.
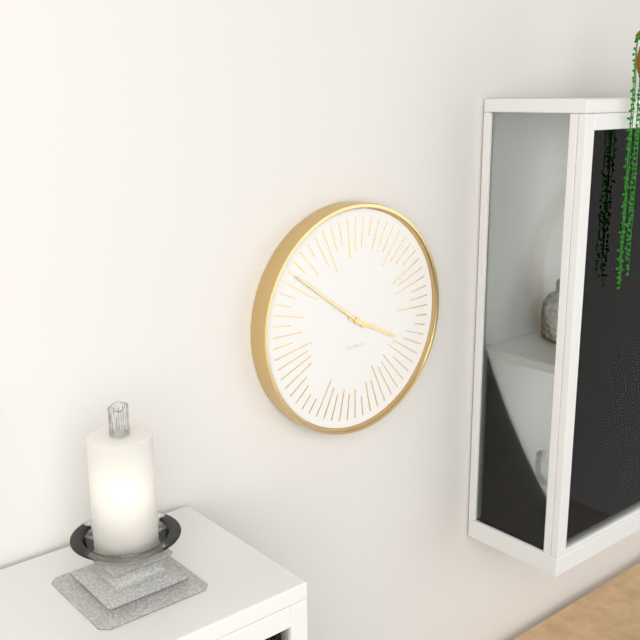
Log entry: 3h51
